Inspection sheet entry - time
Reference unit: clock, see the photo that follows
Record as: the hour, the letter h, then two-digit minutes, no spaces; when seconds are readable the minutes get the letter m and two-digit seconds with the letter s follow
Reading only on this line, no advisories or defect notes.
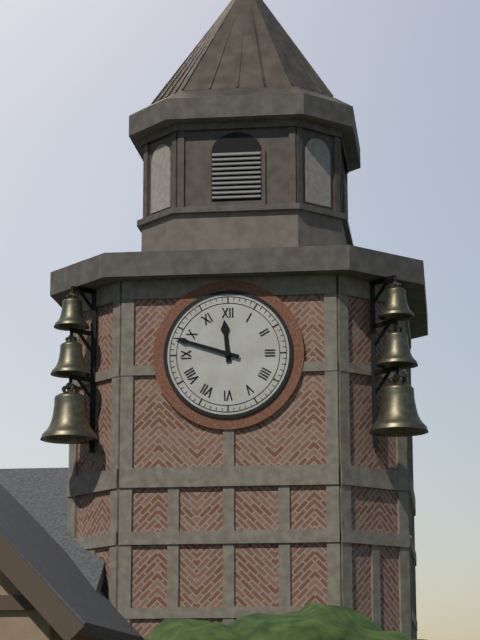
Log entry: 11h48
